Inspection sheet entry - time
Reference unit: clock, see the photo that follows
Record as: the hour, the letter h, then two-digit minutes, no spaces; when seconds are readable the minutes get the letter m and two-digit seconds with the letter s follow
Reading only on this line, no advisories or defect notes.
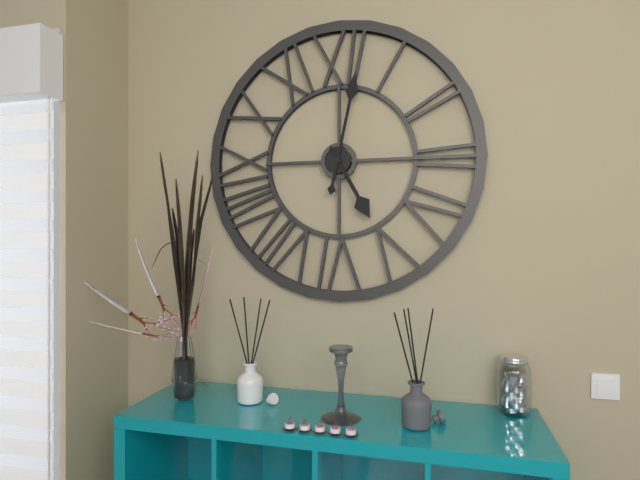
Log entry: 5h02
